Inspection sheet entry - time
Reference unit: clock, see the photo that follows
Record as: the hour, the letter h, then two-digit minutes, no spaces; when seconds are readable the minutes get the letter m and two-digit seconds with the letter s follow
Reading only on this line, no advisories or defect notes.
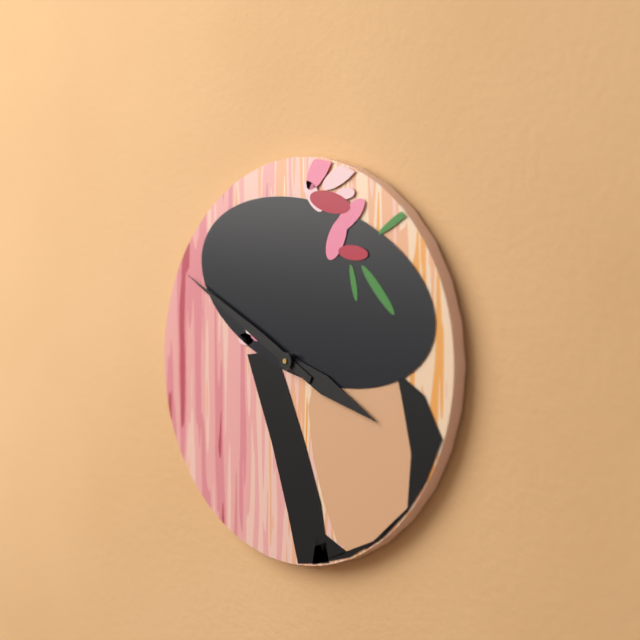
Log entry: 3h50
